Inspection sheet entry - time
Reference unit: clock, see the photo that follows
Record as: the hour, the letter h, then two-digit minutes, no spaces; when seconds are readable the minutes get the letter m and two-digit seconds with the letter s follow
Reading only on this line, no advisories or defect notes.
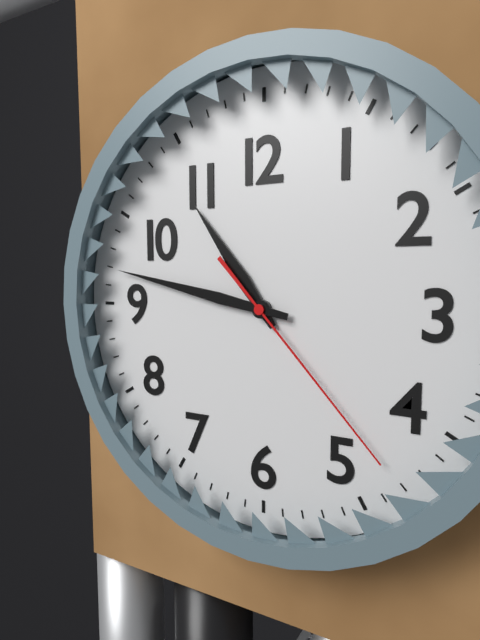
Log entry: 10h47m23s
